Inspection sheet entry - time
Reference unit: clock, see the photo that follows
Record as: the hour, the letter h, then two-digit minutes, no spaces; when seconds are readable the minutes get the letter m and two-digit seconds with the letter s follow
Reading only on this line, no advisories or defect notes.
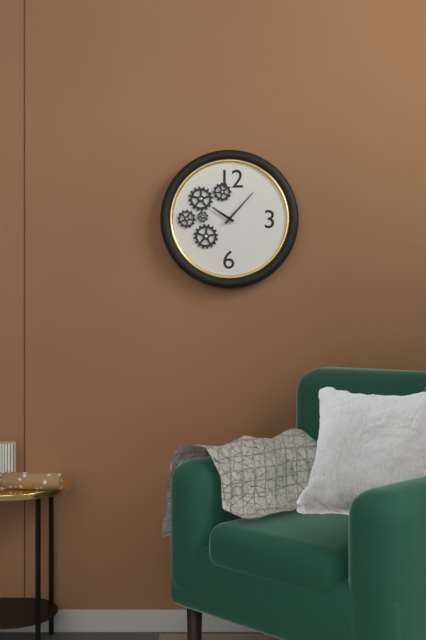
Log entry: 10h07
